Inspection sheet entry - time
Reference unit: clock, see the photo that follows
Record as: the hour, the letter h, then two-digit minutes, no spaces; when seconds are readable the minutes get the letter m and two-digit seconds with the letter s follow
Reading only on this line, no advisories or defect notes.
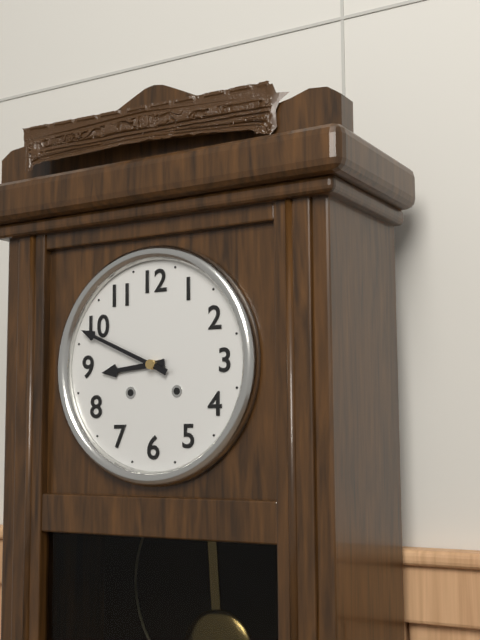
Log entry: 8h49
